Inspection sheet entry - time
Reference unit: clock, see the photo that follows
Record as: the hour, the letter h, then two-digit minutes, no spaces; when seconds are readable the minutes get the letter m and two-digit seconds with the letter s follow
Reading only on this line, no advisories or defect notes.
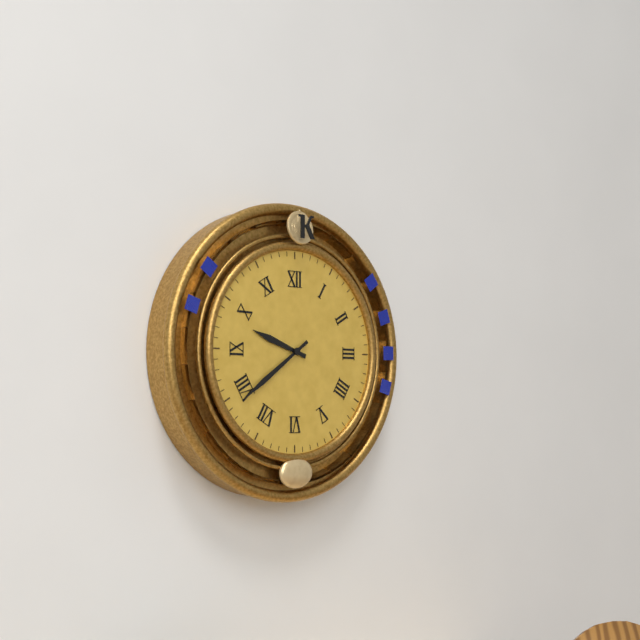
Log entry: 9h39
